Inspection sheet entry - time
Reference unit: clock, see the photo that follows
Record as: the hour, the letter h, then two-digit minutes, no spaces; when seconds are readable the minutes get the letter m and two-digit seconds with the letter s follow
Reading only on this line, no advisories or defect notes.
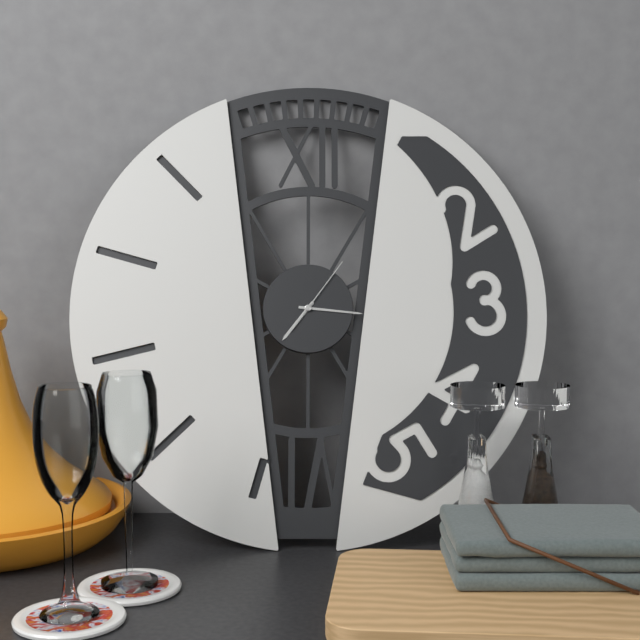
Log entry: 7h16m06s
